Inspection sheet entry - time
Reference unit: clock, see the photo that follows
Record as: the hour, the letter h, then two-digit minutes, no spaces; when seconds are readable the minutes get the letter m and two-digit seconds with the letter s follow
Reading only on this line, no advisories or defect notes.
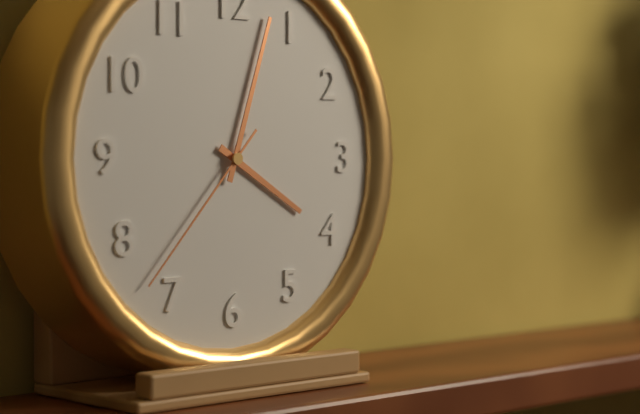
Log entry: 4h03m37s
